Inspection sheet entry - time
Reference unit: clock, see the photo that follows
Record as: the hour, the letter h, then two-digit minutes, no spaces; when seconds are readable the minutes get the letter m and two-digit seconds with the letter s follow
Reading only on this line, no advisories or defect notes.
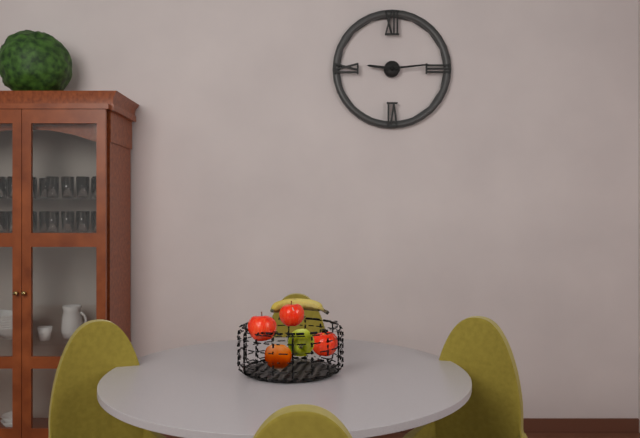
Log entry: 9h14
